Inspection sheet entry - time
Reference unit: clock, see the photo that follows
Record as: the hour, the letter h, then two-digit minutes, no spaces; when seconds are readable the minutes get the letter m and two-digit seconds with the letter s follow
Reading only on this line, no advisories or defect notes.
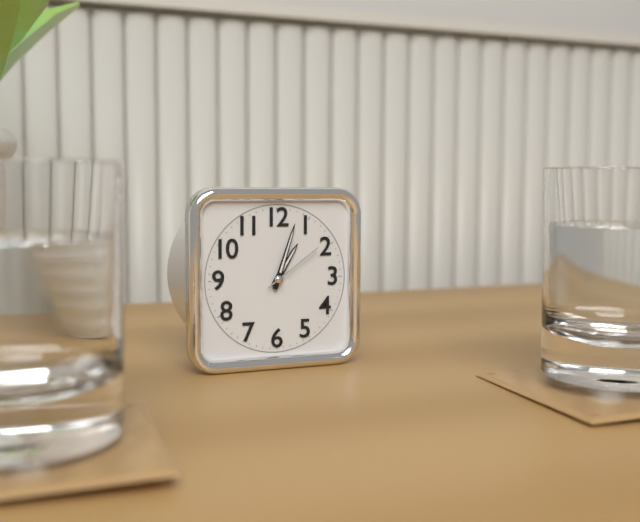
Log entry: 1h03m09s
